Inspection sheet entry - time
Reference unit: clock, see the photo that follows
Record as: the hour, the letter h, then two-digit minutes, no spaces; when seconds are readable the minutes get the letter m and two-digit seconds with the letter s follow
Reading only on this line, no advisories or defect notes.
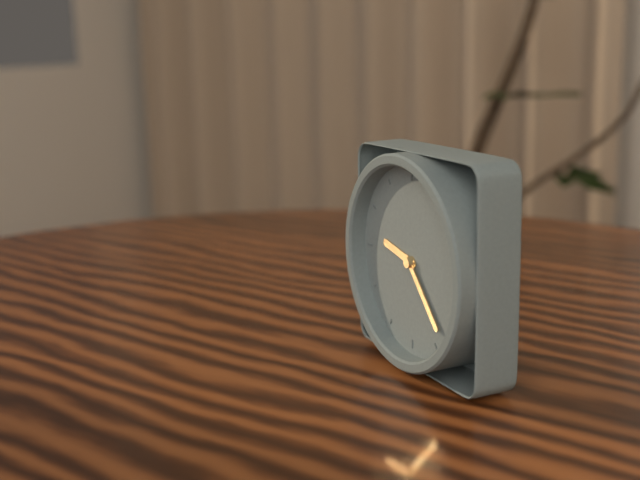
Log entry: 9h23
